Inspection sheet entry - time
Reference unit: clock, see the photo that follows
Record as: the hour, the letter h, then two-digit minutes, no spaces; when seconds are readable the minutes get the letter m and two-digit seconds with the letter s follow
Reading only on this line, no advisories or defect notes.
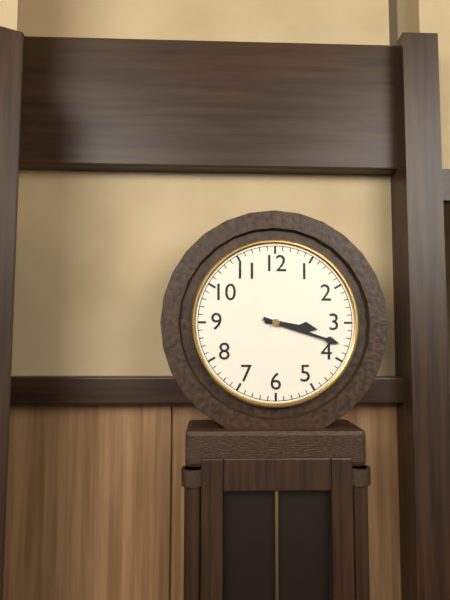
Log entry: 3h18
